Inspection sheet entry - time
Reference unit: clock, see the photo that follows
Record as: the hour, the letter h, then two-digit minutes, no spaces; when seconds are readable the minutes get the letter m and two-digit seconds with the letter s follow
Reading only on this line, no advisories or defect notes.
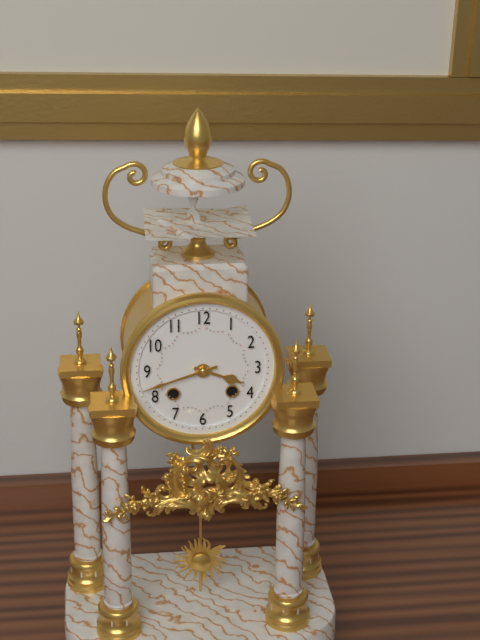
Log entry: 3h42
